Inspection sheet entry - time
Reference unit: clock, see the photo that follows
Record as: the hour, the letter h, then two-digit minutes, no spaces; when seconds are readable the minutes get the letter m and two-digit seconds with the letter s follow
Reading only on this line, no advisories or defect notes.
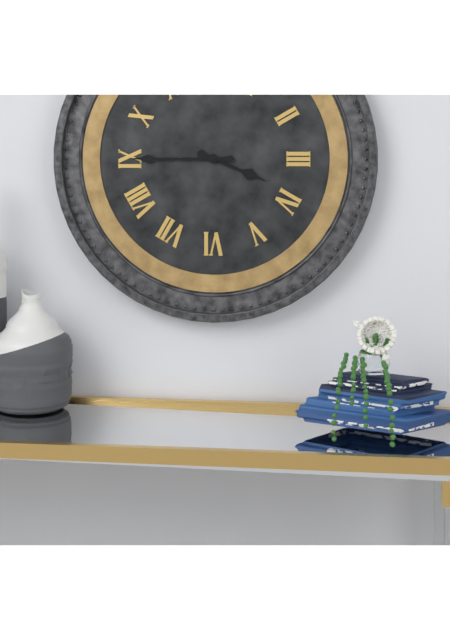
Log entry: 3h45
